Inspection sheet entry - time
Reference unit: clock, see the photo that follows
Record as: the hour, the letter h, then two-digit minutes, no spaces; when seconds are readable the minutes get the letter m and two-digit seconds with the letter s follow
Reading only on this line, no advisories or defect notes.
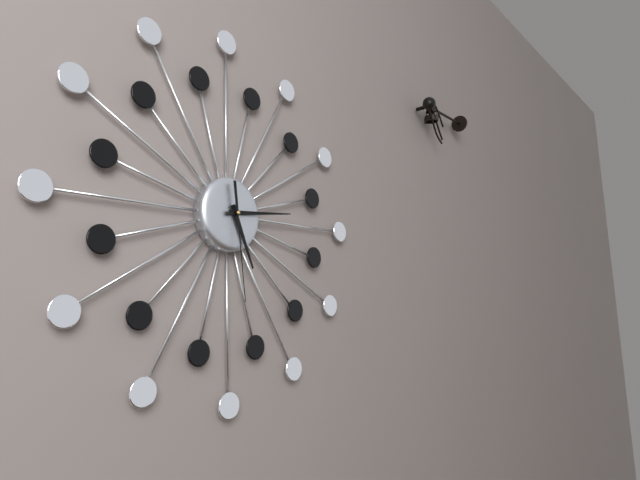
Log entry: 5h14m29s
